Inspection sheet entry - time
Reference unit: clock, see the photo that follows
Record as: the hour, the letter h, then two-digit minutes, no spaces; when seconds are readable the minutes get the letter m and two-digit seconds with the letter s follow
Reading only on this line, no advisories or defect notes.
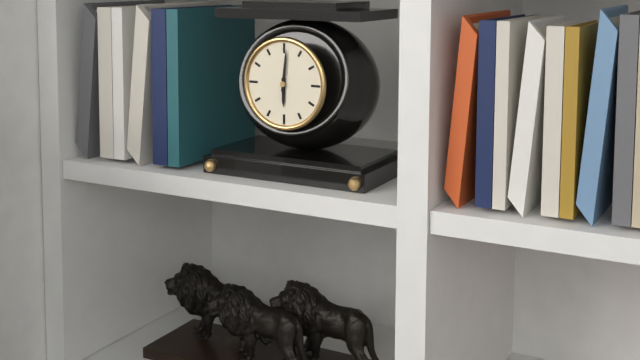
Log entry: 6h01
